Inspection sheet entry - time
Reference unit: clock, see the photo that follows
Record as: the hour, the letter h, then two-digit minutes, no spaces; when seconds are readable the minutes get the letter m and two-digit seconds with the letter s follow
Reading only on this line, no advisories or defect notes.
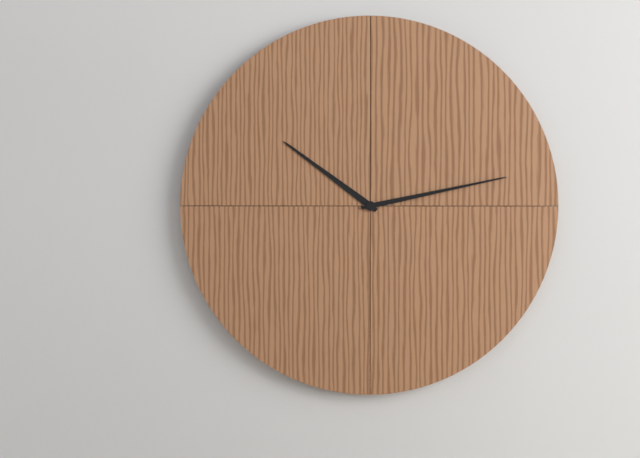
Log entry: 10h13
